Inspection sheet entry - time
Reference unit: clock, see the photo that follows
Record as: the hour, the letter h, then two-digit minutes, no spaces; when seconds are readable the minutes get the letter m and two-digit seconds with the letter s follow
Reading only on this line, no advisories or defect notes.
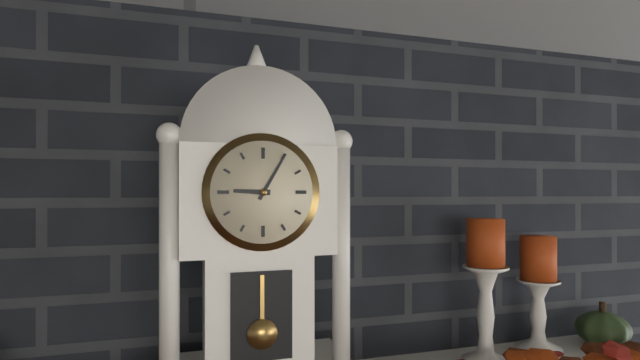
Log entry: 9h05
